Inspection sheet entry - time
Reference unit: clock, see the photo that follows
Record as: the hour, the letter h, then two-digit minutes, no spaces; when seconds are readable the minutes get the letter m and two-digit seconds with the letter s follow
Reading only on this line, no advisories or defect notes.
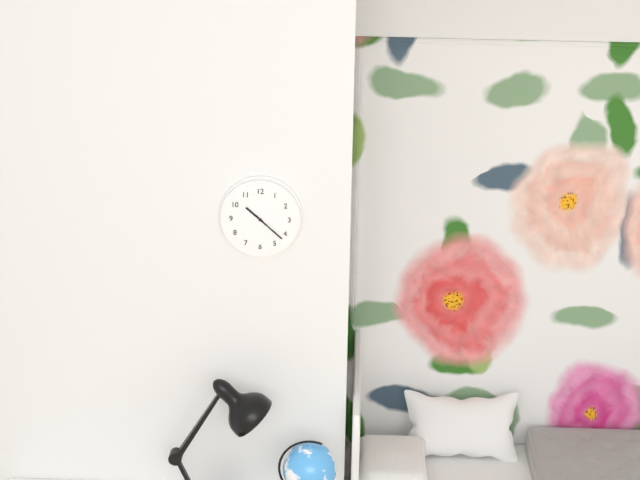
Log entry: 10h22
